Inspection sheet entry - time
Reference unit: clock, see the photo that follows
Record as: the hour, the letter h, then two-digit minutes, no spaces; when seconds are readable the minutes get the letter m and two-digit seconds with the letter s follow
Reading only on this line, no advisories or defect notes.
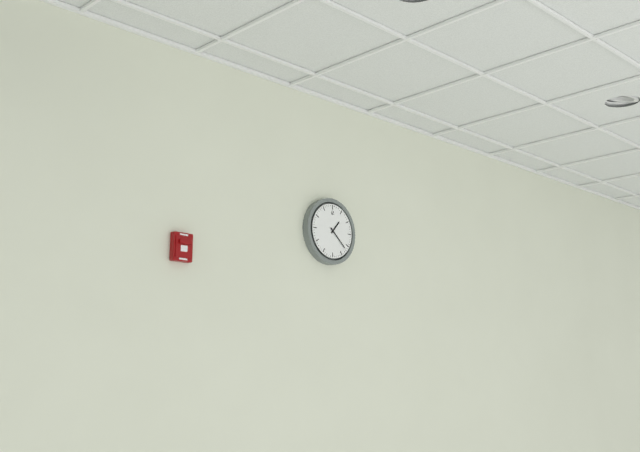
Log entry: 1h22
